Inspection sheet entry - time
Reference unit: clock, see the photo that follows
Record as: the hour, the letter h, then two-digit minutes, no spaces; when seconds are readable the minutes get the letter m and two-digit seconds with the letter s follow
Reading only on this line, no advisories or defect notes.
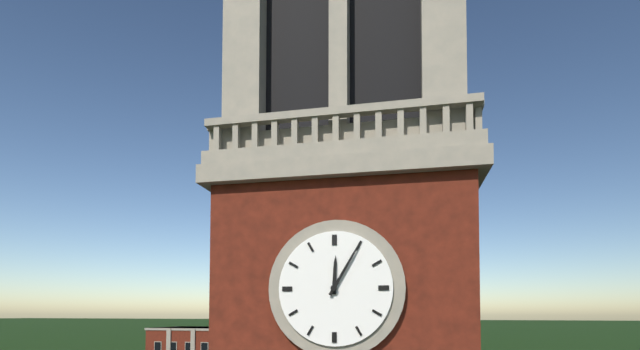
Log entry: 12h05
